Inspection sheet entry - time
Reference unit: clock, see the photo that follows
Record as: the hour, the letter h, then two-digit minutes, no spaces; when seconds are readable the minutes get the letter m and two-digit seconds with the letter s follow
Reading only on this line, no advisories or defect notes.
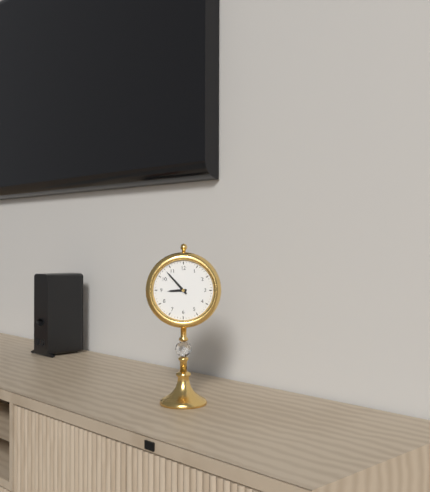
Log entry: 8h53
